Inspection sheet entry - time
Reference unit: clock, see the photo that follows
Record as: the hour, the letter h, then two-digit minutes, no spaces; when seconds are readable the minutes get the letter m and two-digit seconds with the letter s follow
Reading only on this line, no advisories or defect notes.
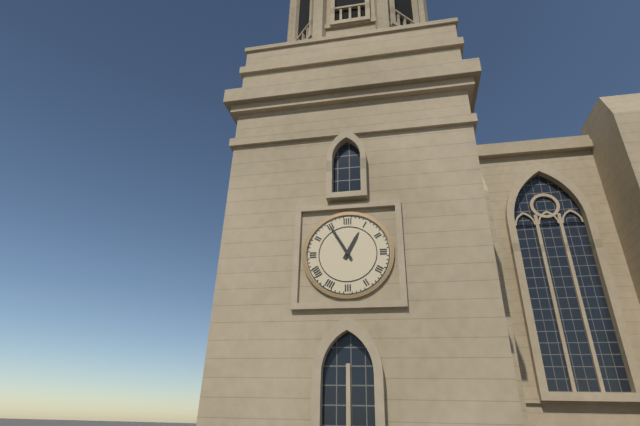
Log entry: 12h55
